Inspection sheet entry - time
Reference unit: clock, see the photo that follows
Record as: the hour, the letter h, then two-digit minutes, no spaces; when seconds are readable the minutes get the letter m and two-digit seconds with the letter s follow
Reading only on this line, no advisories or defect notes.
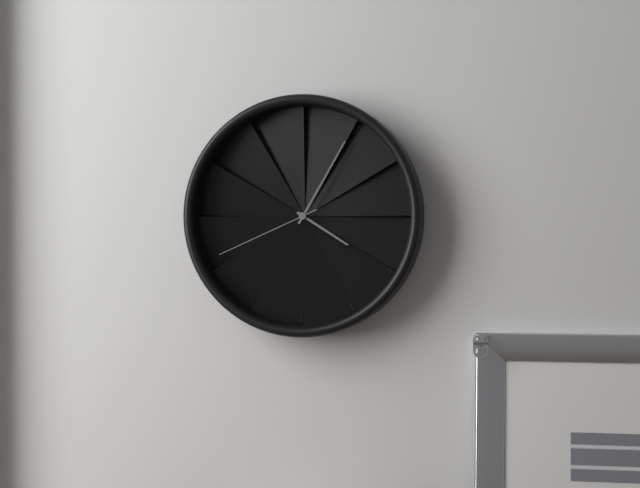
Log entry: 4h05m41s
